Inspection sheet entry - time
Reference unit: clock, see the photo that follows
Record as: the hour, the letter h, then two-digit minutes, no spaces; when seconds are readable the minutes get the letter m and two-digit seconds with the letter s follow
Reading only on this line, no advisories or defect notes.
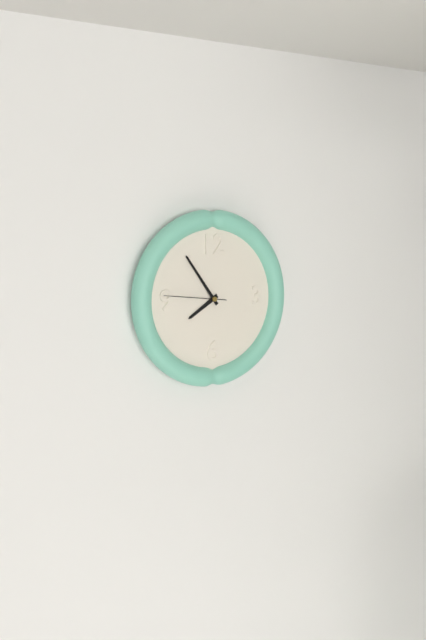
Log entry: 7h54m46s
